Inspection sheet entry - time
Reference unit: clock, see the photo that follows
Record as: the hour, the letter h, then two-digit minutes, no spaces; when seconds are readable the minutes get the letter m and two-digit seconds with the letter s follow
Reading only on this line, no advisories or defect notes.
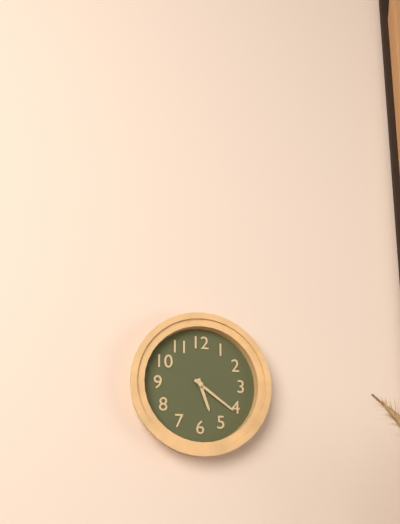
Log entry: 5h21
